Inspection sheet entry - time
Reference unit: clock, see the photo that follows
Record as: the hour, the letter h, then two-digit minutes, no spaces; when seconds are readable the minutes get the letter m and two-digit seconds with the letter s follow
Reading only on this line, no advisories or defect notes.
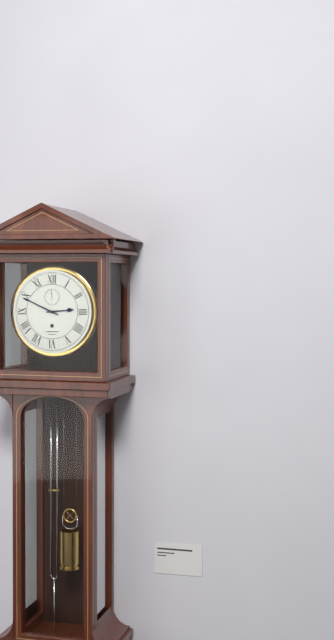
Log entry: 2h49
